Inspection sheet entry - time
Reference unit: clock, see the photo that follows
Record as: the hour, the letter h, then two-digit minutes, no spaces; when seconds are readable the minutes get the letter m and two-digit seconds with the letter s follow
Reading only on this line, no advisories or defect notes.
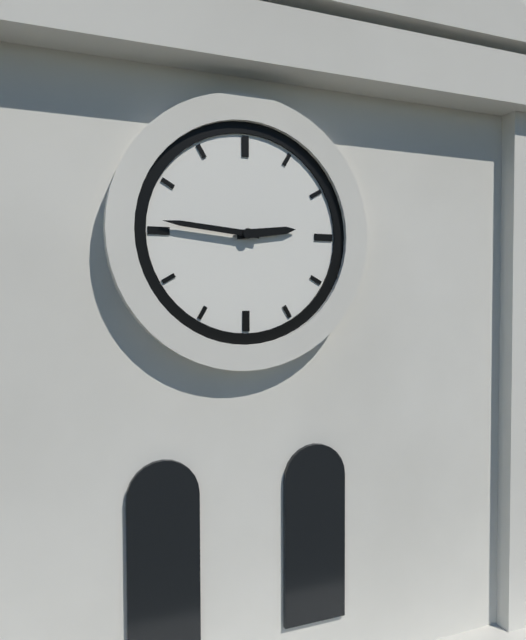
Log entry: 2h46
